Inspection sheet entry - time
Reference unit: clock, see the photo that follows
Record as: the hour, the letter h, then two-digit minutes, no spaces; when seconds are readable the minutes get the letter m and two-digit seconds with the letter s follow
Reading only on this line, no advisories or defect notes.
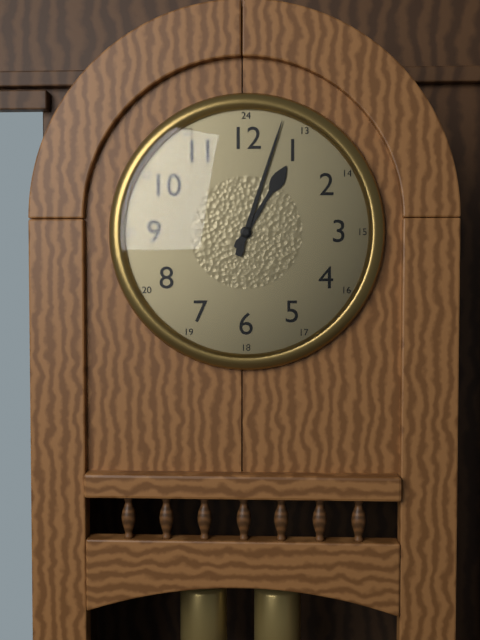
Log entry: 1h03
